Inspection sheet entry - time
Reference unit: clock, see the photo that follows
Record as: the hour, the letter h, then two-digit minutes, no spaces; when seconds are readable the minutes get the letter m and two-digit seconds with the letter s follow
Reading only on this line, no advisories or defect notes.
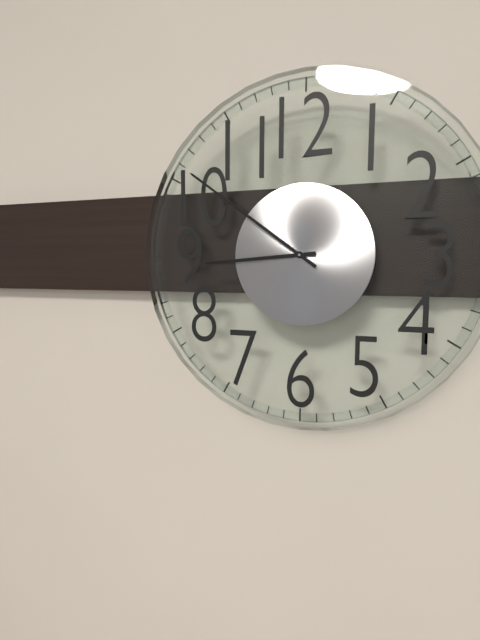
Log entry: 8h51
